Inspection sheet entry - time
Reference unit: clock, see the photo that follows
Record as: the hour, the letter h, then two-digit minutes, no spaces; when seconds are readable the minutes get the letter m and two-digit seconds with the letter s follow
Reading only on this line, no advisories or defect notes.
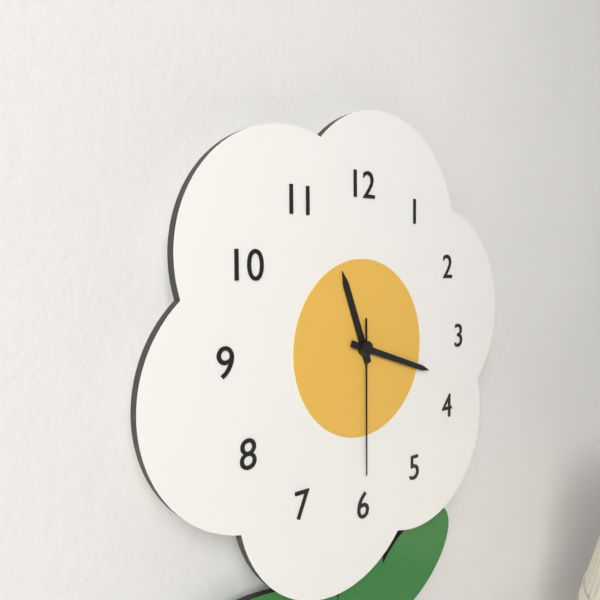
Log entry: 11h18m30s
